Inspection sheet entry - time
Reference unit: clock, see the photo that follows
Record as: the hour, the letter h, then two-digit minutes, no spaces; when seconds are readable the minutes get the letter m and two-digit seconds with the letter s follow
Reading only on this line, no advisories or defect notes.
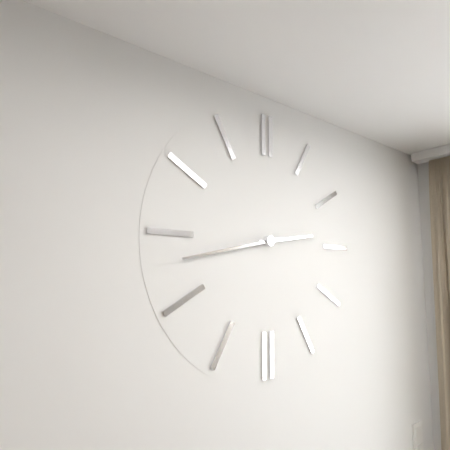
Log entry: 2h43
